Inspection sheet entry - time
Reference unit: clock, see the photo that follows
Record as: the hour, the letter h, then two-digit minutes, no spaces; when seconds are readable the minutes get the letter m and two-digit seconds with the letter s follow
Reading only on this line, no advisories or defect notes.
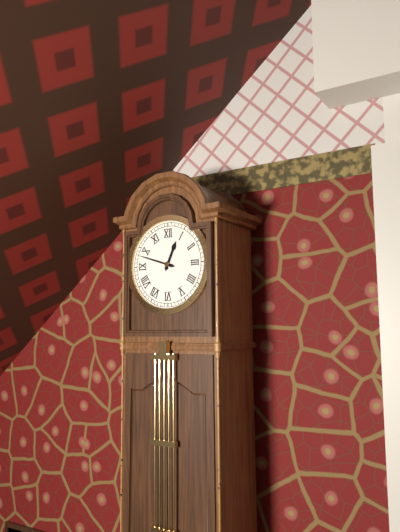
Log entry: 12h48
